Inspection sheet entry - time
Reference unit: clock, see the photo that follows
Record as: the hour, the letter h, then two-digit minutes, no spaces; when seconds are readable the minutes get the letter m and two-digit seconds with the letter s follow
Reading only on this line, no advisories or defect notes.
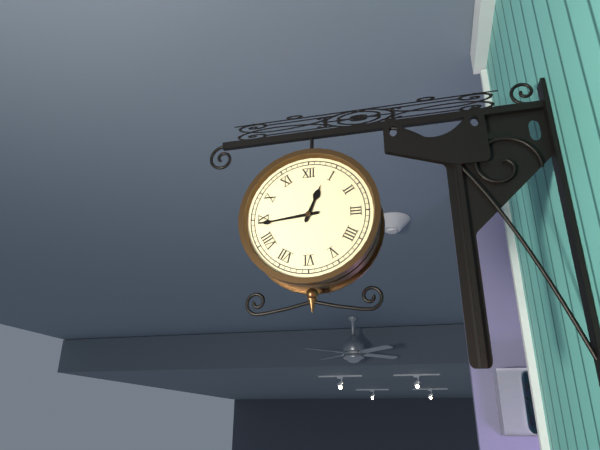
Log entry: 12h44
